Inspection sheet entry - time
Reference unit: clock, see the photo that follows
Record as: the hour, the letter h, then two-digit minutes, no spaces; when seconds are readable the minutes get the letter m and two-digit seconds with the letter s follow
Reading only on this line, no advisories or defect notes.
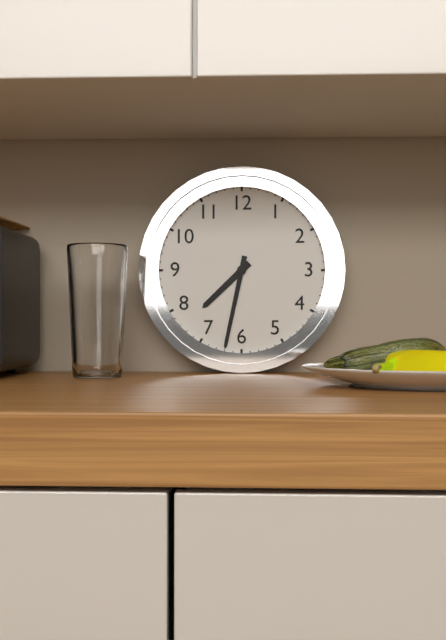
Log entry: 7h32
